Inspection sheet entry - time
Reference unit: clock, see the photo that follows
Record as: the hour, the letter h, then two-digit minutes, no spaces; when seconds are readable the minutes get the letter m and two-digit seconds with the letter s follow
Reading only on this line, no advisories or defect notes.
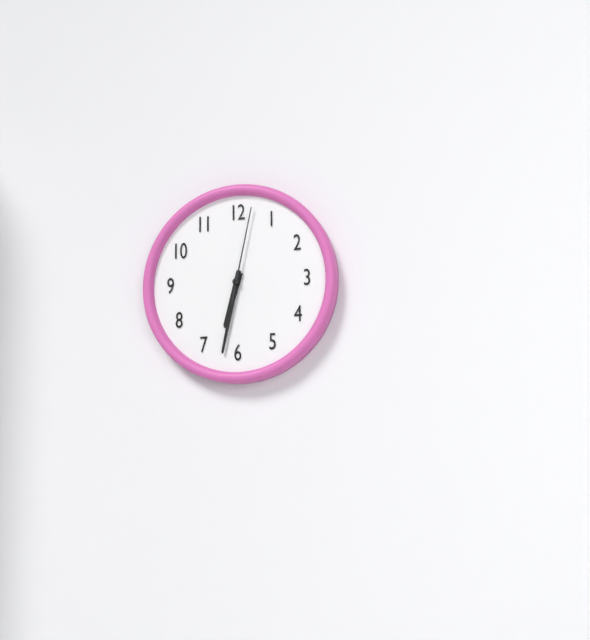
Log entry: 6h32m02s
